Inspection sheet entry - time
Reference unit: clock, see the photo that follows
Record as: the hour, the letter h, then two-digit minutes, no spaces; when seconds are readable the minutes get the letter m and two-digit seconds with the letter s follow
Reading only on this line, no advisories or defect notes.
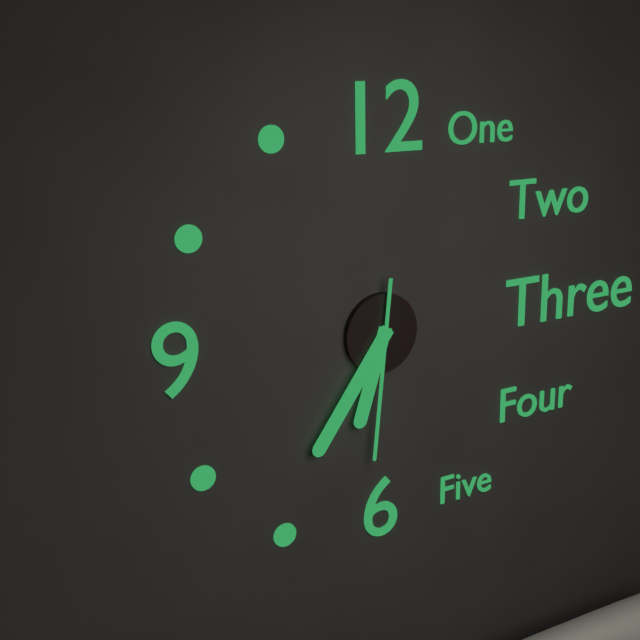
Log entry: 6h36m31s
